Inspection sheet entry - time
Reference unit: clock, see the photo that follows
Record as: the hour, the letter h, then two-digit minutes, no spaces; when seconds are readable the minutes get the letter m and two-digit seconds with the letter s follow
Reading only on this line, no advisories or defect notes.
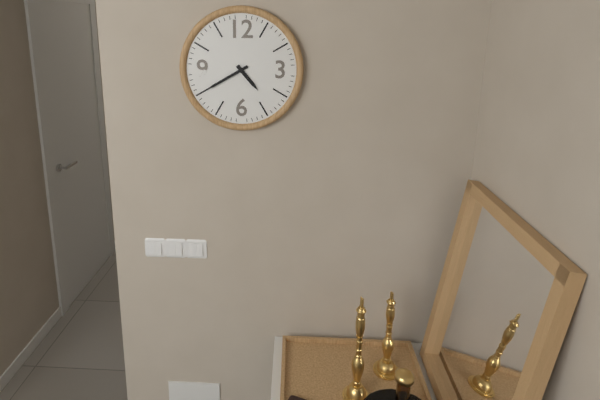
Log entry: 4h40
